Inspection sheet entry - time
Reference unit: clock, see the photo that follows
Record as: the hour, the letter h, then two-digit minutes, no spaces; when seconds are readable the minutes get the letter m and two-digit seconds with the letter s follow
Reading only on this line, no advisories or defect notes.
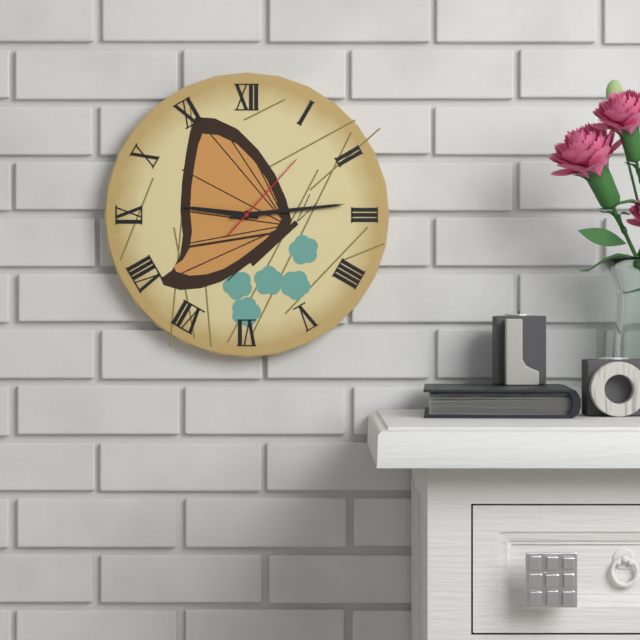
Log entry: 9h14m07s
